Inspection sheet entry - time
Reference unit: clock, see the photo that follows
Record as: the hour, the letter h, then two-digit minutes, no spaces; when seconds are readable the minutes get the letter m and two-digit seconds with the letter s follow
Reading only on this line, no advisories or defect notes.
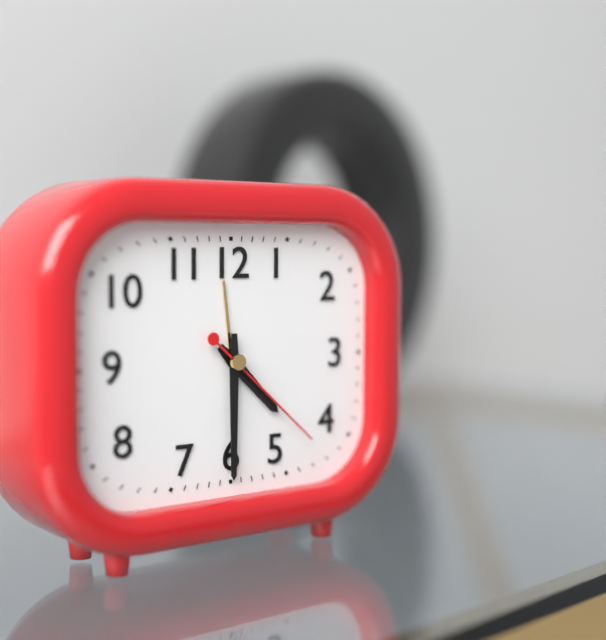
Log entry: 4h30m22s
